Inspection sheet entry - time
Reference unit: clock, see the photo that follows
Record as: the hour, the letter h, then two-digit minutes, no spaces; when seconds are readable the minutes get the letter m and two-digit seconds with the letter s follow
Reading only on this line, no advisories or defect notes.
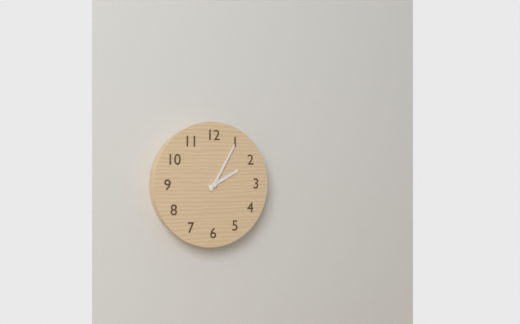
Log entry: 2h05
